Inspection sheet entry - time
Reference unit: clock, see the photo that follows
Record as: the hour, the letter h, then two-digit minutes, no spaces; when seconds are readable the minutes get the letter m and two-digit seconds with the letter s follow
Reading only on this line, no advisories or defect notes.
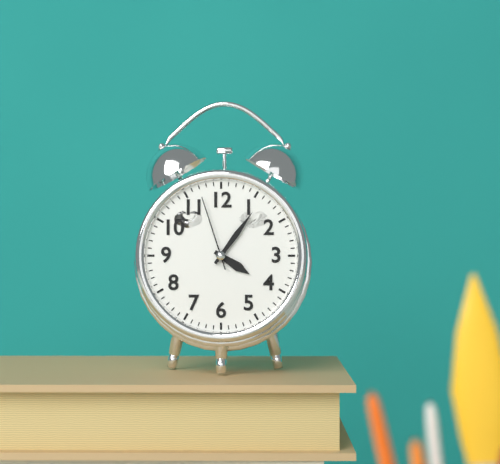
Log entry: 4h06m57s
